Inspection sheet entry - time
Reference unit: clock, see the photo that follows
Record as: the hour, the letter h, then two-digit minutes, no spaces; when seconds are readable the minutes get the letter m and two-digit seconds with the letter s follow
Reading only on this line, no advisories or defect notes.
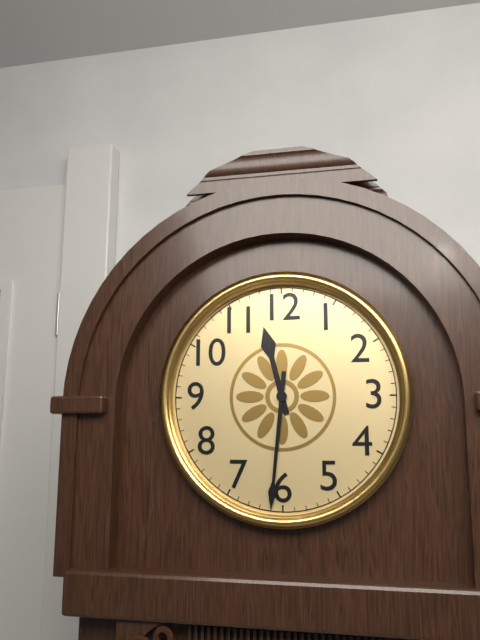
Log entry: 11h31
